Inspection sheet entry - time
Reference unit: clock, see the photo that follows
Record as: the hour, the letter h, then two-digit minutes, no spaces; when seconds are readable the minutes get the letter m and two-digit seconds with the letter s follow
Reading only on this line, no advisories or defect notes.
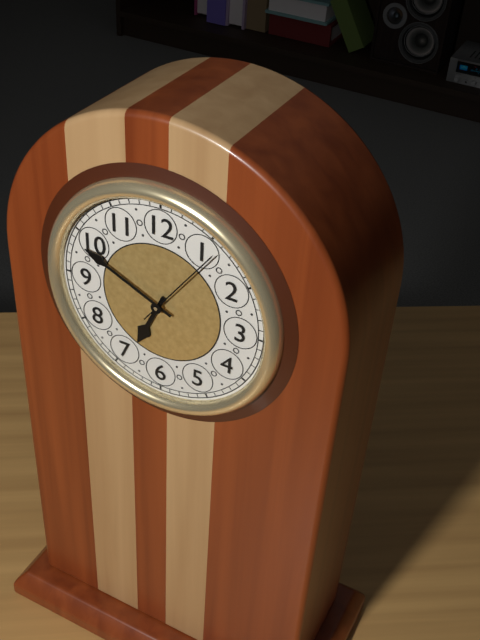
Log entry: 6h49m06s
